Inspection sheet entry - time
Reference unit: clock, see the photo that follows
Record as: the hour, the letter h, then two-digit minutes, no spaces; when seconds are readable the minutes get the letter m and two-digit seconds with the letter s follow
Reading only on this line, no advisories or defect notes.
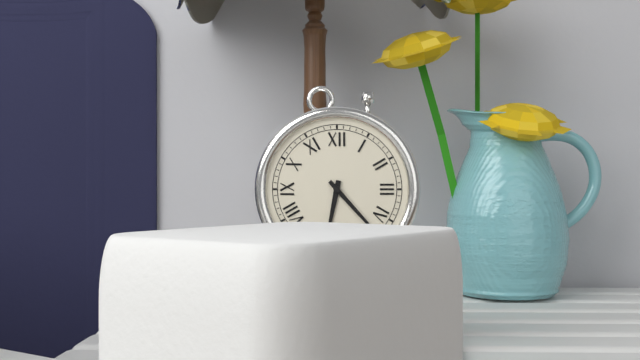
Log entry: 6h23
